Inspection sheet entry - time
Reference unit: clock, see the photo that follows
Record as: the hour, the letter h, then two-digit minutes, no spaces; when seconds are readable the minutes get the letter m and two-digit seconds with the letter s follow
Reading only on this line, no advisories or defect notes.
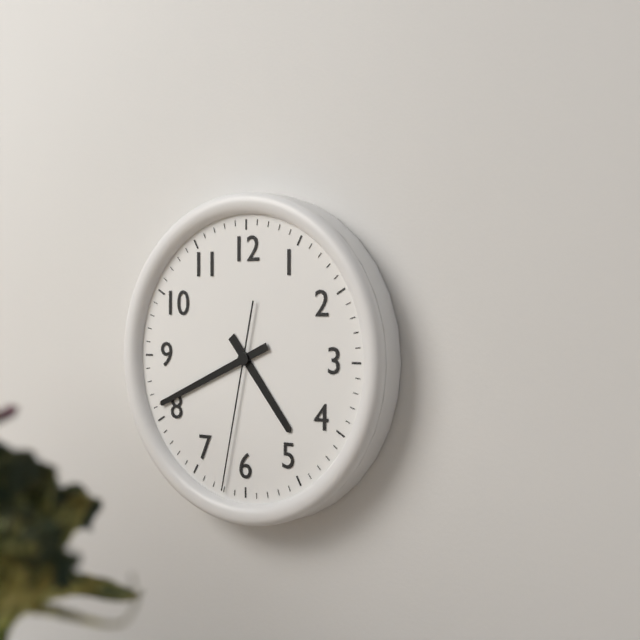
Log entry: 4h41m32s
